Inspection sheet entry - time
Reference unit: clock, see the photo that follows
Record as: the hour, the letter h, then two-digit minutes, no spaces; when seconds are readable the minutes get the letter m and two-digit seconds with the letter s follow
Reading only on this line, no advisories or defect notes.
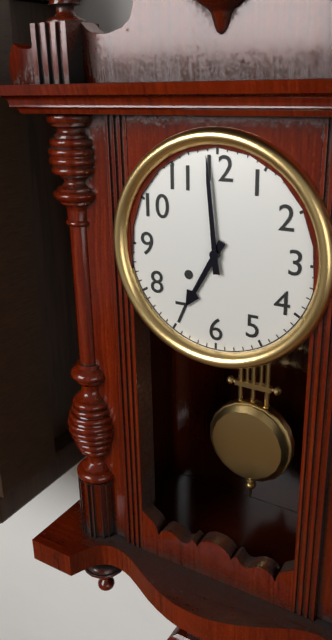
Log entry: 6h59
